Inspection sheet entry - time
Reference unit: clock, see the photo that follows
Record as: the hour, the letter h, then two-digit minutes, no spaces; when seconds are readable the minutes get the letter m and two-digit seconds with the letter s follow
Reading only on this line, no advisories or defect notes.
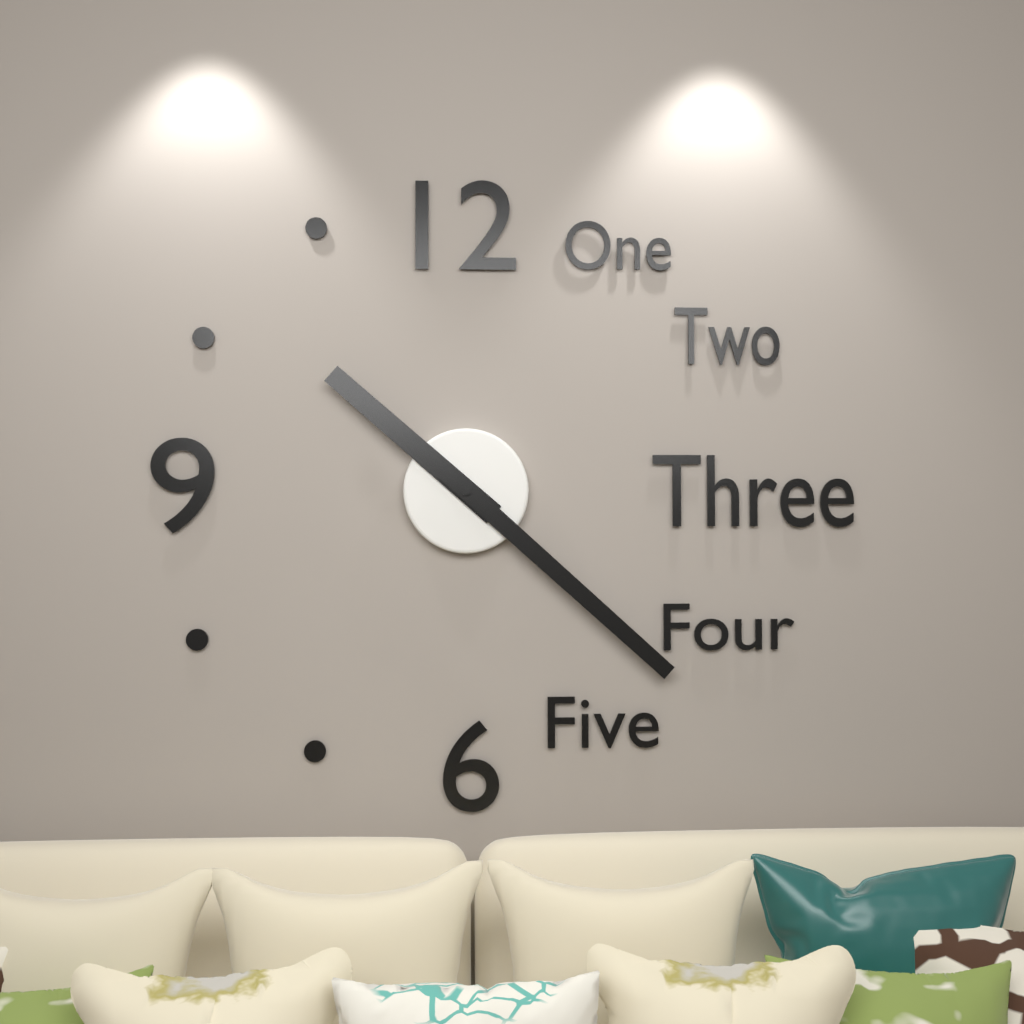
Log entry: 10h22
